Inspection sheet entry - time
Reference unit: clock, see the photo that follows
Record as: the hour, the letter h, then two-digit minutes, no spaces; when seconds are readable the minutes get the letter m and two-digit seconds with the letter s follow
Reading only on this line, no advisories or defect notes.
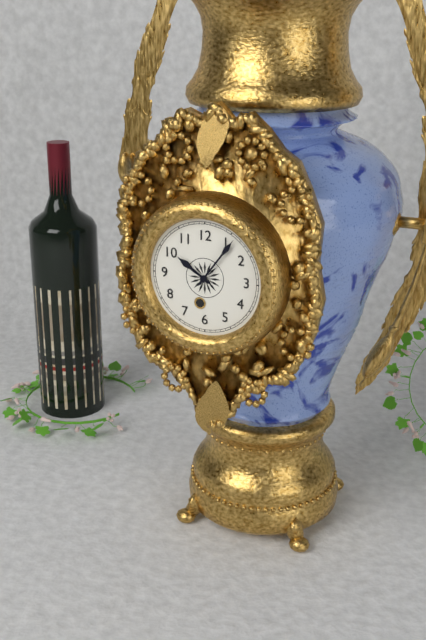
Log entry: 10h06
